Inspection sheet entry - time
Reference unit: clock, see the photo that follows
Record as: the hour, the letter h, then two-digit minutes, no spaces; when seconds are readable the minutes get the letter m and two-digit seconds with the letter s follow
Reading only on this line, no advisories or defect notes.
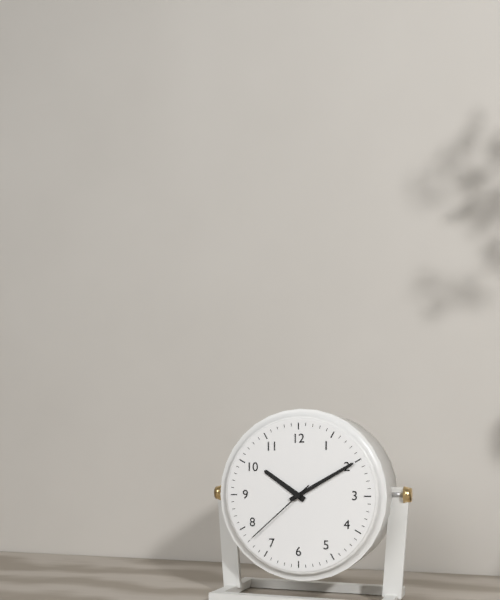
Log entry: 10h10m38s
